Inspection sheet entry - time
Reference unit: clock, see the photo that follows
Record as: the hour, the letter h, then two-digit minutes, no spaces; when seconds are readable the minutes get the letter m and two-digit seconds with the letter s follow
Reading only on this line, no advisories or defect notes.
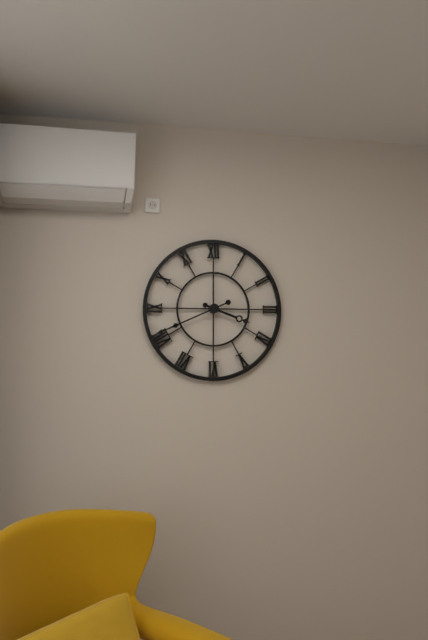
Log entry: 3h41
